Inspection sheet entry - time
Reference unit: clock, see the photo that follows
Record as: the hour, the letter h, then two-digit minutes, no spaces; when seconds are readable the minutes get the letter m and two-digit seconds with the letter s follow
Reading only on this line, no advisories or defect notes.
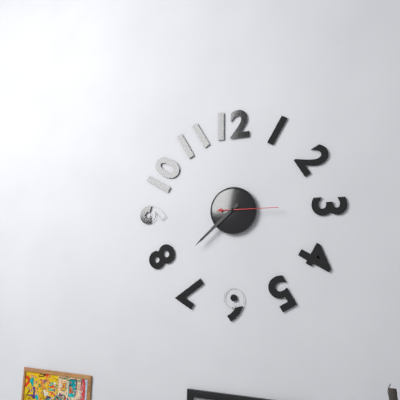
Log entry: 7h38m15s
